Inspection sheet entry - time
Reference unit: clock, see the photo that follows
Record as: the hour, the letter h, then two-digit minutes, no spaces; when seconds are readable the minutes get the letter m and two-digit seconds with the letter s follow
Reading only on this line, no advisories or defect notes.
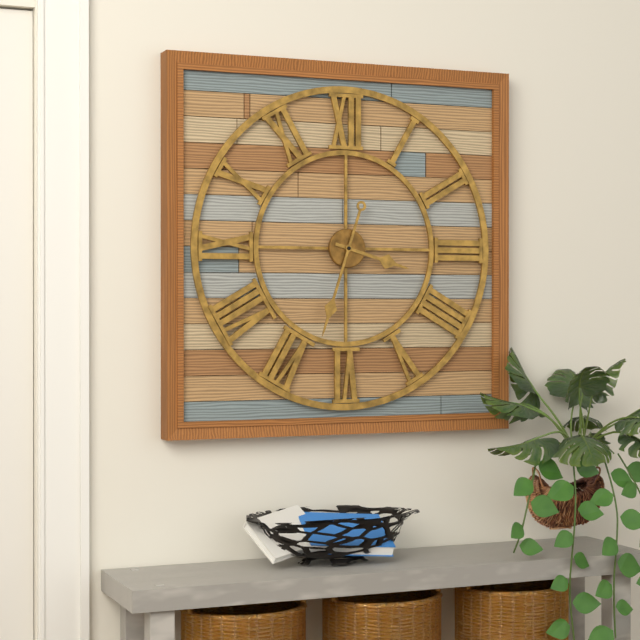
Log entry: 3h33
